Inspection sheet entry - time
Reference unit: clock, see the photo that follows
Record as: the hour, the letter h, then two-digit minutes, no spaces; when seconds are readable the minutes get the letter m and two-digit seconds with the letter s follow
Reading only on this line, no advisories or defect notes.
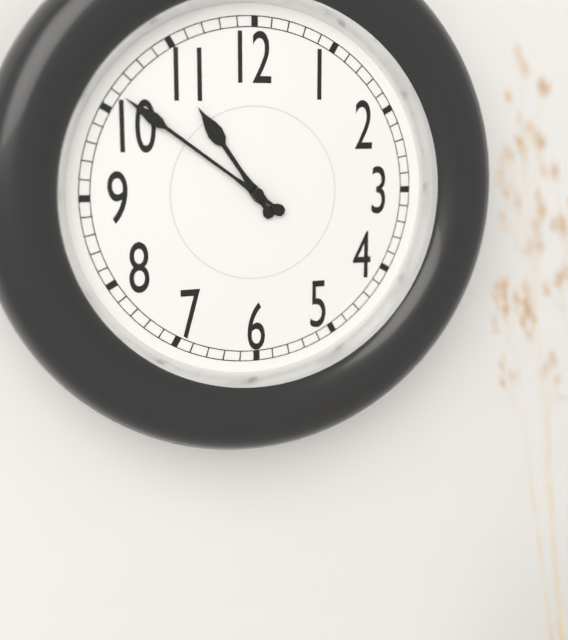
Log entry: 10h51
